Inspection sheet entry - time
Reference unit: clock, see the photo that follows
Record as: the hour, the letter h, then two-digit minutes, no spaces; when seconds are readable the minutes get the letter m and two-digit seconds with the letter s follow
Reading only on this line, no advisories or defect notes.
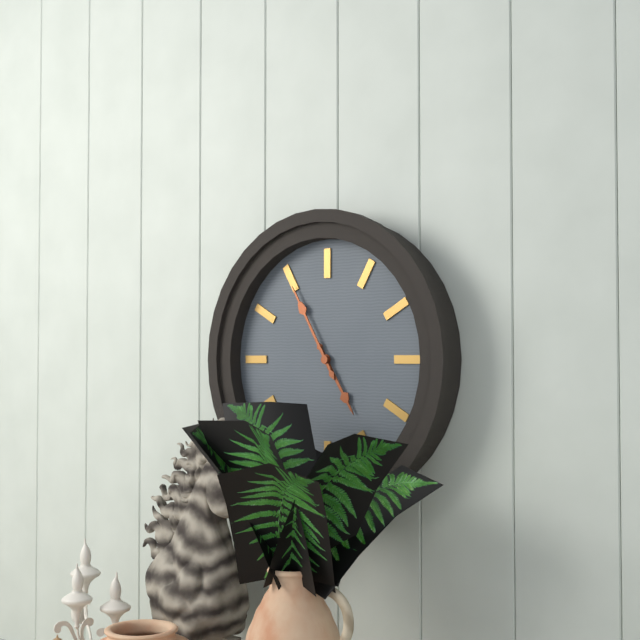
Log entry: 4h55
